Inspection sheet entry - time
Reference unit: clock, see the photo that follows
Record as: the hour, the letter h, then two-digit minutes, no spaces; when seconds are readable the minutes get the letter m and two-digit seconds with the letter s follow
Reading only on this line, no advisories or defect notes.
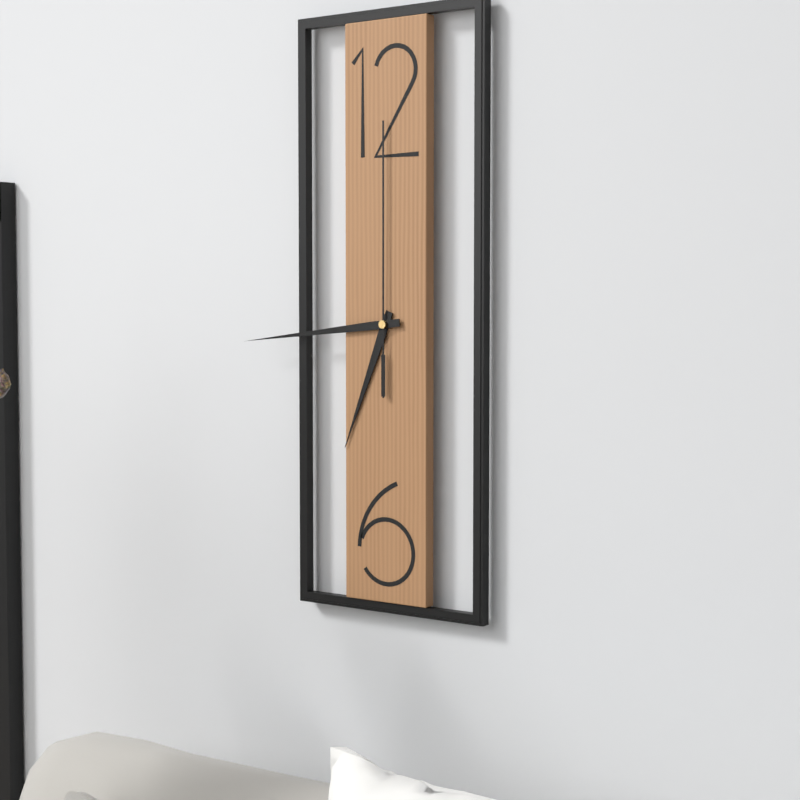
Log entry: 6h44m00s
